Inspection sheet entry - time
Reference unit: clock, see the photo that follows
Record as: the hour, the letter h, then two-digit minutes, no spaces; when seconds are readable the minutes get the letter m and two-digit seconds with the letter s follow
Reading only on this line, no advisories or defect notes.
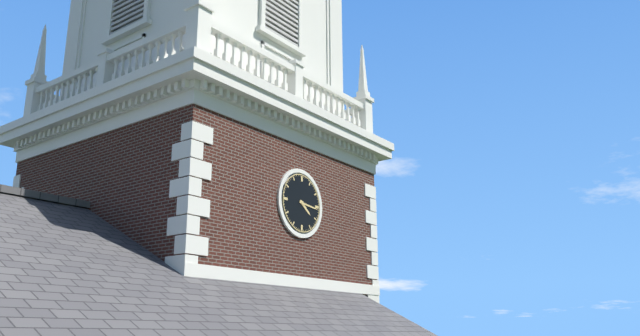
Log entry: 4h16
